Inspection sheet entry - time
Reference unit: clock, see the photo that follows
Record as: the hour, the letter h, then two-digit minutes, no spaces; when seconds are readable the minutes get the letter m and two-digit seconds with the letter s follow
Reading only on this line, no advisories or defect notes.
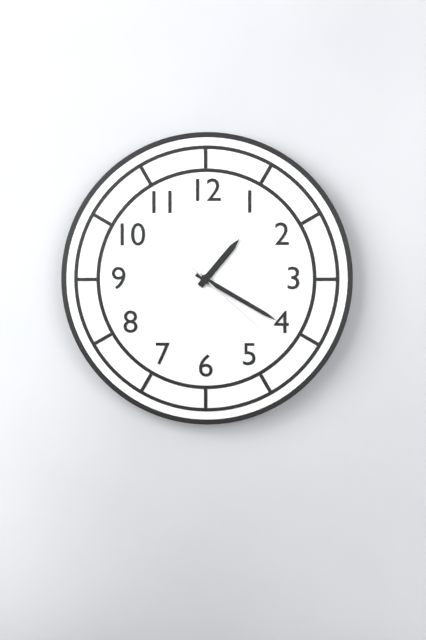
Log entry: 1h20m22s
